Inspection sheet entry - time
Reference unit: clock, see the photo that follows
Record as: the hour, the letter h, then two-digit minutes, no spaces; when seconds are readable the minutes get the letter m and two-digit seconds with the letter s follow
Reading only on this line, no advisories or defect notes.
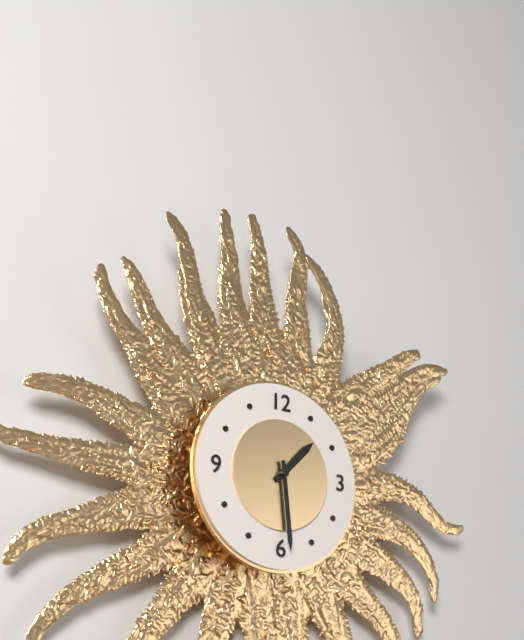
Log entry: 1h29
